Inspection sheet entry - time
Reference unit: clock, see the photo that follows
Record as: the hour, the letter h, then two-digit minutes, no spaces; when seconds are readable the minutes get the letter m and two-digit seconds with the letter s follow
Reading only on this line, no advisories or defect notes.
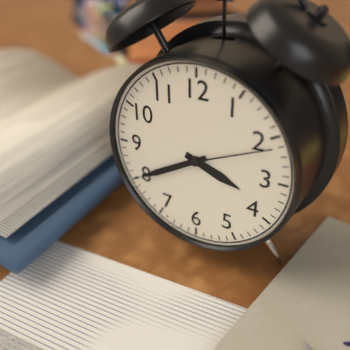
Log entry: 3h40m11s
